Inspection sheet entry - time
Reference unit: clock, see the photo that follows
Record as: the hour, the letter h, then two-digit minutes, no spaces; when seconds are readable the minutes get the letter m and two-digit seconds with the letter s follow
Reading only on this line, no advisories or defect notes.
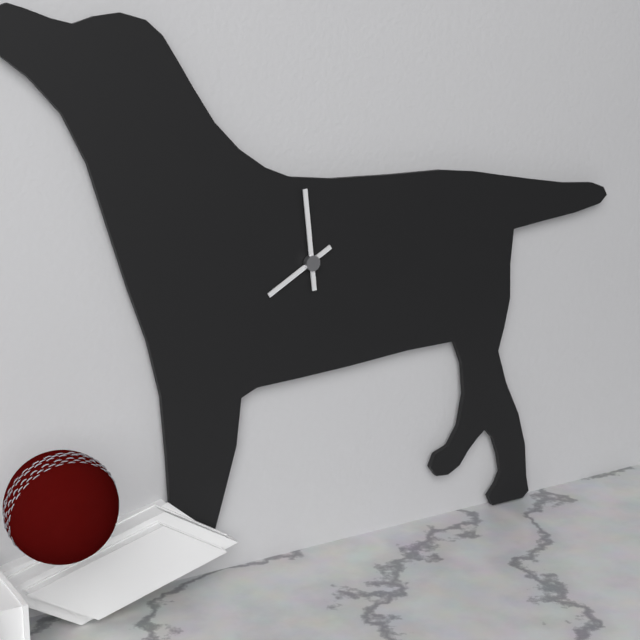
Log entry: 7h59
